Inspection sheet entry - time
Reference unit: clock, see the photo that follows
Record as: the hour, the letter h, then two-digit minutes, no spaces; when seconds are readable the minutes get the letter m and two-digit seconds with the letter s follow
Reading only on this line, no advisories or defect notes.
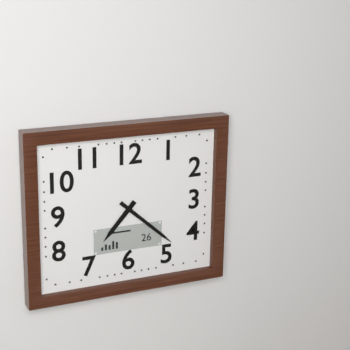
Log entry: 7h22
